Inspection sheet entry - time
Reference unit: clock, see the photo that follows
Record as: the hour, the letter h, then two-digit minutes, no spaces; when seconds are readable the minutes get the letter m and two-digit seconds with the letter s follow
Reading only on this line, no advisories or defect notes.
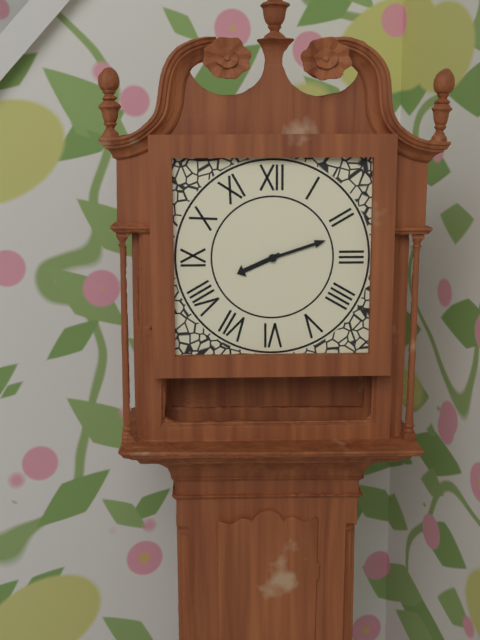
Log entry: 8h12
